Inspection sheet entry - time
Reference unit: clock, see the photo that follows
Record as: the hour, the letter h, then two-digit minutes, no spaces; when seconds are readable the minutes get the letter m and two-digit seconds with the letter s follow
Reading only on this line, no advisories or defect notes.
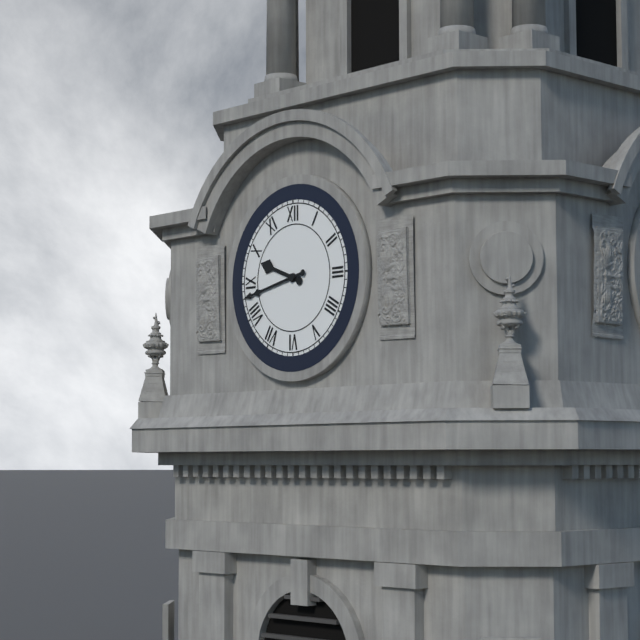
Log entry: 9h43
